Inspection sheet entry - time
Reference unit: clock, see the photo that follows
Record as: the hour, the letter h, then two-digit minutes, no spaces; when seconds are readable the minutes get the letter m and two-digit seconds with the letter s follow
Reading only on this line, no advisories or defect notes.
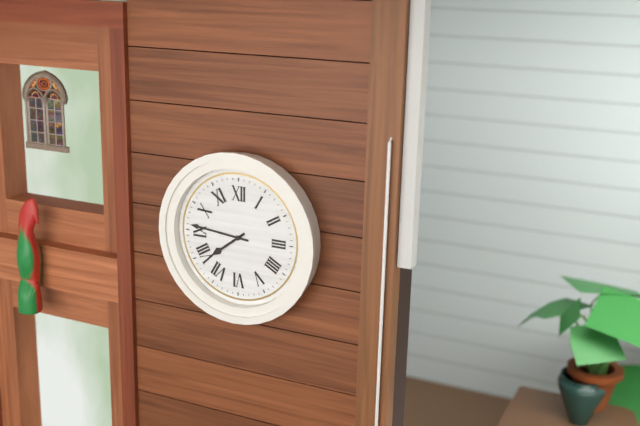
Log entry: 7h46
